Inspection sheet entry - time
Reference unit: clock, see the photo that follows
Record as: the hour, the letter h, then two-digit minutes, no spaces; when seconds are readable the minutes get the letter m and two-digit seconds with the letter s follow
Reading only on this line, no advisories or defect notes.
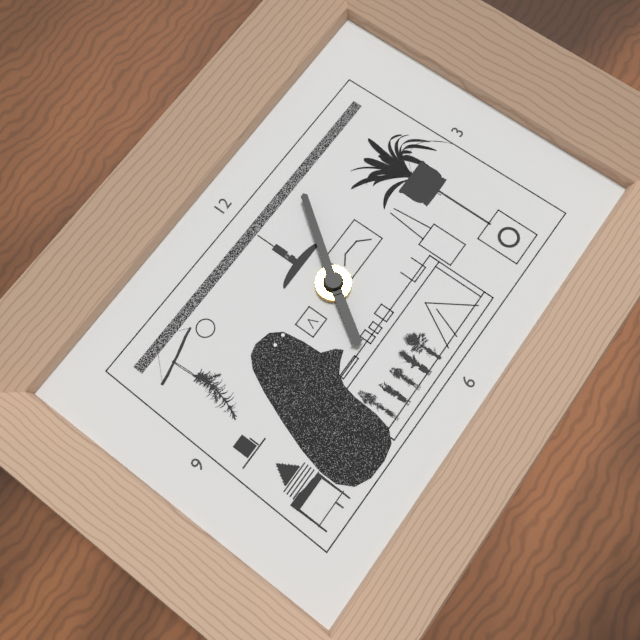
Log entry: 7h06
